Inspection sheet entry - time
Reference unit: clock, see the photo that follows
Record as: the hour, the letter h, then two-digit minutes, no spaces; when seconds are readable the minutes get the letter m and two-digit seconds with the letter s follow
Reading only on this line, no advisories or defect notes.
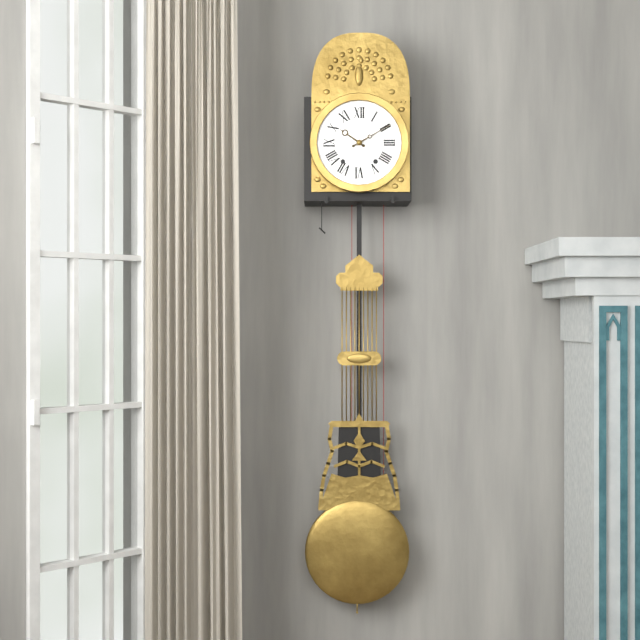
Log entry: 10h10
